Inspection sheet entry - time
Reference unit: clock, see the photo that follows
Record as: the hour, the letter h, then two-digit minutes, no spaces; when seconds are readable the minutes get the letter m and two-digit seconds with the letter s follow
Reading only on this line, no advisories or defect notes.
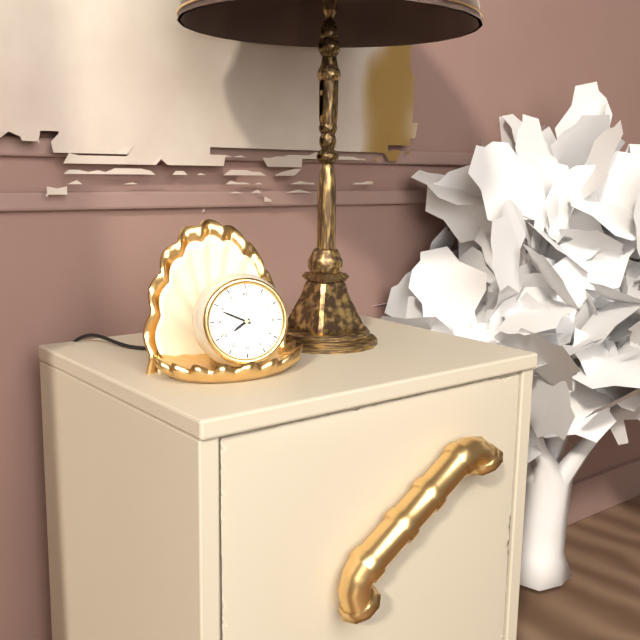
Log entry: 7h49
